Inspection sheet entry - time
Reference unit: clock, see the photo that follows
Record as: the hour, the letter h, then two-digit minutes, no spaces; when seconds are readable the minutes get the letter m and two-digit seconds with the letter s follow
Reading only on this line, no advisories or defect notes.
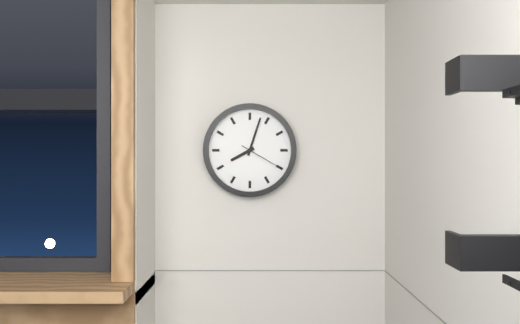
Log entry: 8h03
